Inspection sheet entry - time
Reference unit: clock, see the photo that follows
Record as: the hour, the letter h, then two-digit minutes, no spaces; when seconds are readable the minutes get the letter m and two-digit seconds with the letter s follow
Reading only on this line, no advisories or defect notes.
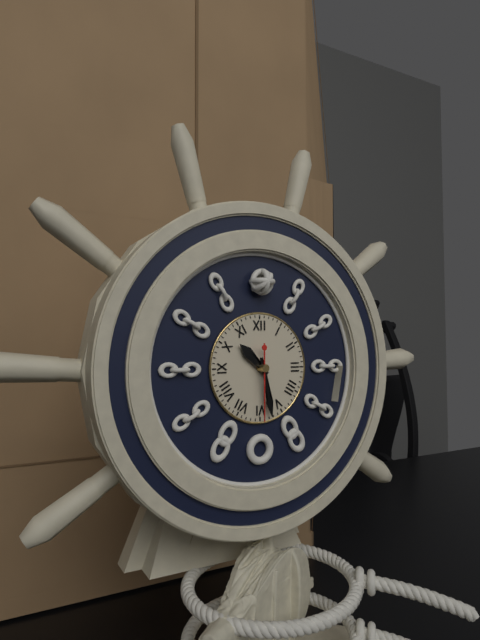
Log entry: 10h28m30s
